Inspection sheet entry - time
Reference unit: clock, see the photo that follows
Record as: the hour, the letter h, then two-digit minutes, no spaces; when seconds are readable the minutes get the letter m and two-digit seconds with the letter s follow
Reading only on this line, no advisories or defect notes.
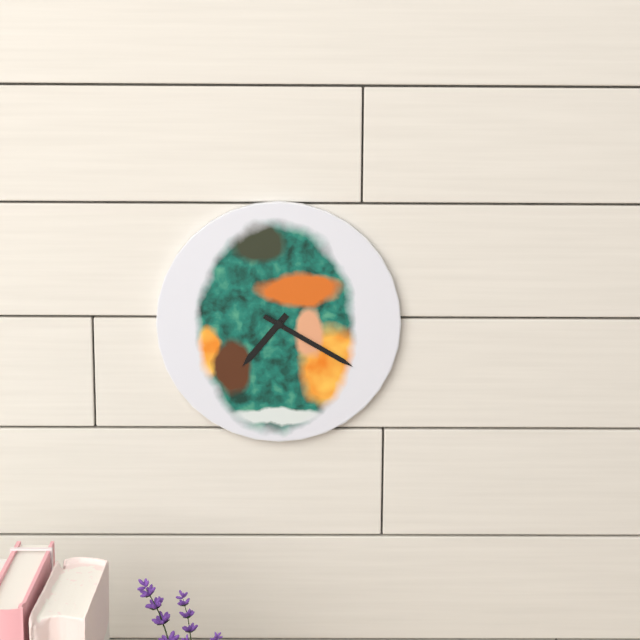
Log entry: 7h20
